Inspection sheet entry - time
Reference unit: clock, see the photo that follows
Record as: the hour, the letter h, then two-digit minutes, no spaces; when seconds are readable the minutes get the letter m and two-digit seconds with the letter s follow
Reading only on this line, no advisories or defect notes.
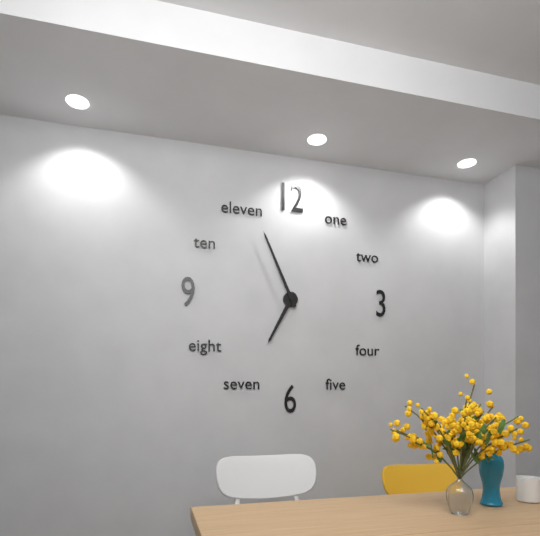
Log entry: 6h56
